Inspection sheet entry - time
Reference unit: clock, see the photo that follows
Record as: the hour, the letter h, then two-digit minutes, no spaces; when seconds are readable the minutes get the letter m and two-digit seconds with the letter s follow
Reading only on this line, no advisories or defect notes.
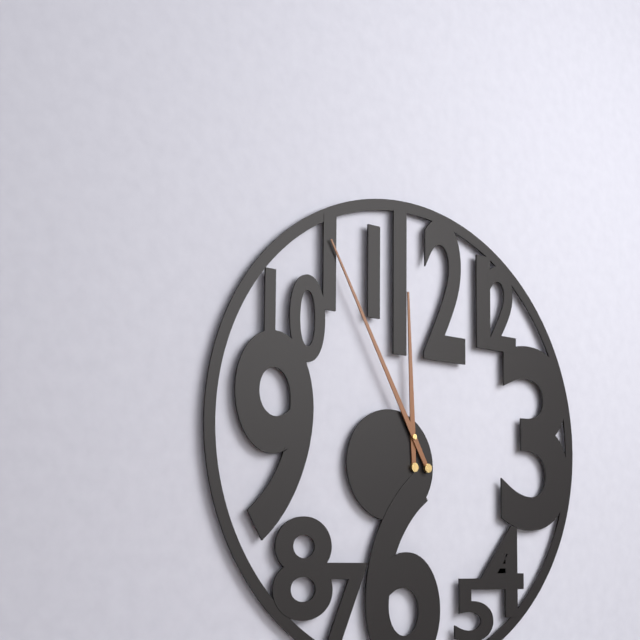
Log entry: 11h55
